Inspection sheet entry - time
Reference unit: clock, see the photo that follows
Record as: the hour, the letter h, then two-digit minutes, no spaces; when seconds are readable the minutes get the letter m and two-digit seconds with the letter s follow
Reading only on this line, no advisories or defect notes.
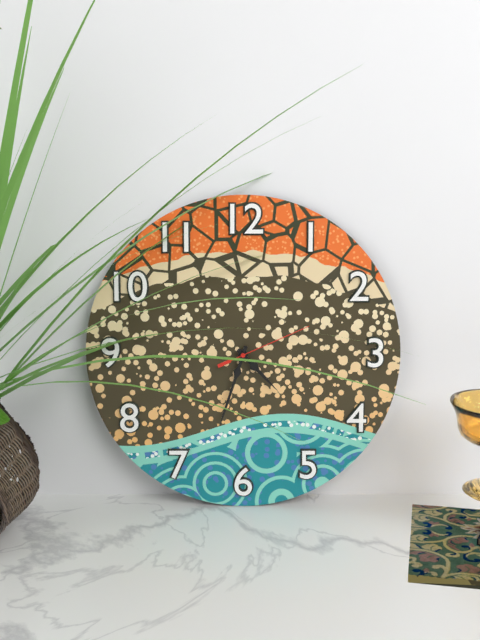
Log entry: 4h33m11s
